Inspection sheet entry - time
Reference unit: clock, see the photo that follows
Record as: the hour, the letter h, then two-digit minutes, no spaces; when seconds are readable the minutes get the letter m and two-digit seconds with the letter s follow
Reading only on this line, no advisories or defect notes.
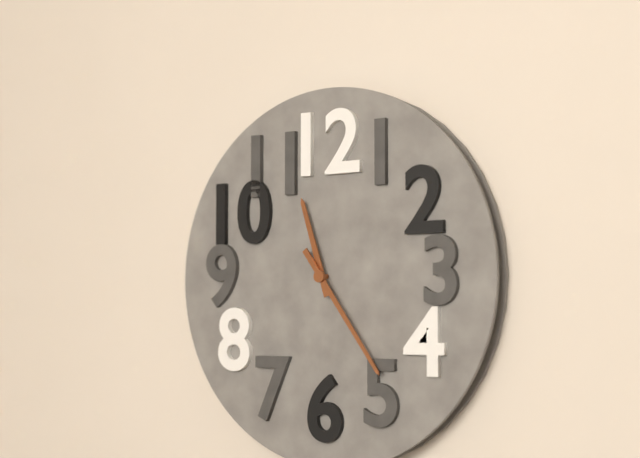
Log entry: 11h24
